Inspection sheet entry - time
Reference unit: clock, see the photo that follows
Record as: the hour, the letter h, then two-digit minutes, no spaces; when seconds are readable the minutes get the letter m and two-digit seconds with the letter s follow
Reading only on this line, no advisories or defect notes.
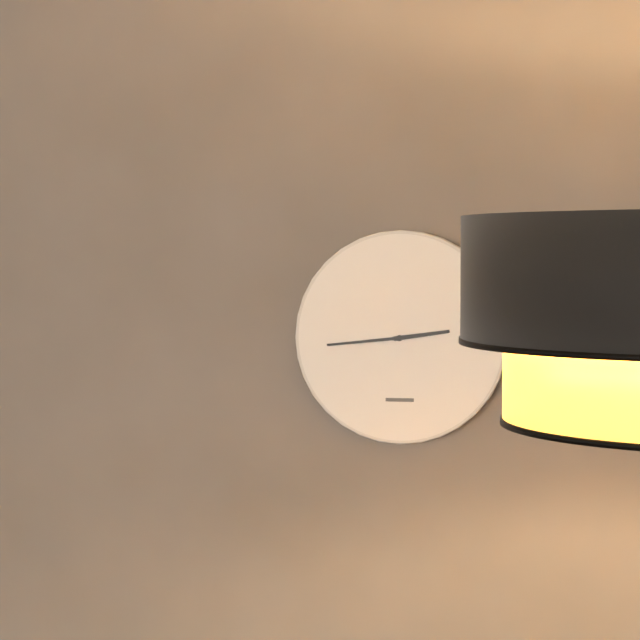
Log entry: 2h44
